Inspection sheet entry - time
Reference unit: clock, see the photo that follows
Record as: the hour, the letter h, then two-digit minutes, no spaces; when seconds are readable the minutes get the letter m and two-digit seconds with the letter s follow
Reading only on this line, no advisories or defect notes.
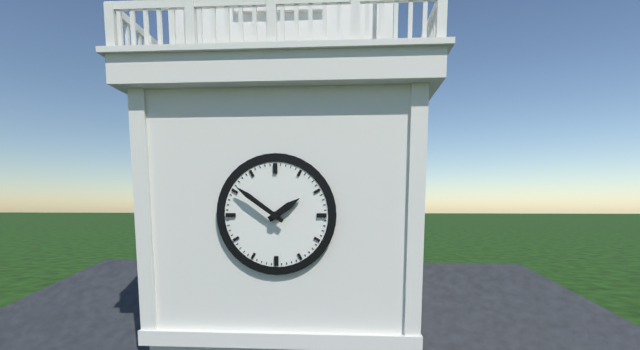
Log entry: 1h51
